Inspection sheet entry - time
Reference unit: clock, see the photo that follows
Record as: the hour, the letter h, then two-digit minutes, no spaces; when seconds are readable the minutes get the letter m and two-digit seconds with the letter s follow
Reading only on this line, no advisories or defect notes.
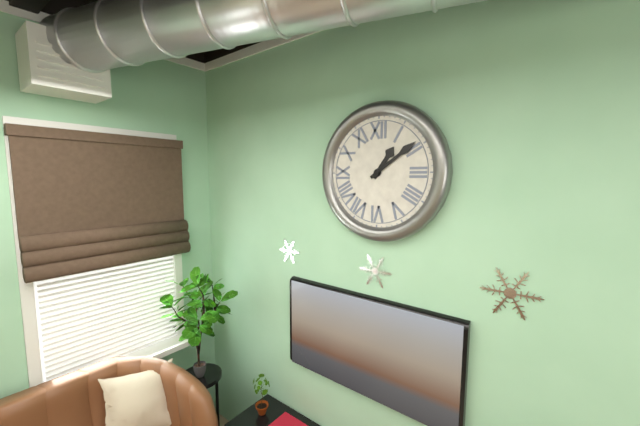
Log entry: 1h09
